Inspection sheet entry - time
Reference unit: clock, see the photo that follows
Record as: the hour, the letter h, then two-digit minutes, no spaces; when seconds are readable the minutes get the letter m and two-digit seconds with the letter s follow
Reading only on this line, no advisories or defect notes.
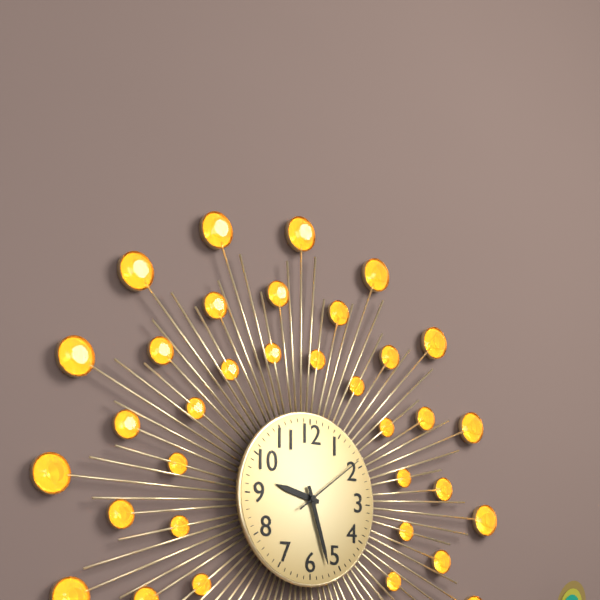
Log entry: 9h27m09s
